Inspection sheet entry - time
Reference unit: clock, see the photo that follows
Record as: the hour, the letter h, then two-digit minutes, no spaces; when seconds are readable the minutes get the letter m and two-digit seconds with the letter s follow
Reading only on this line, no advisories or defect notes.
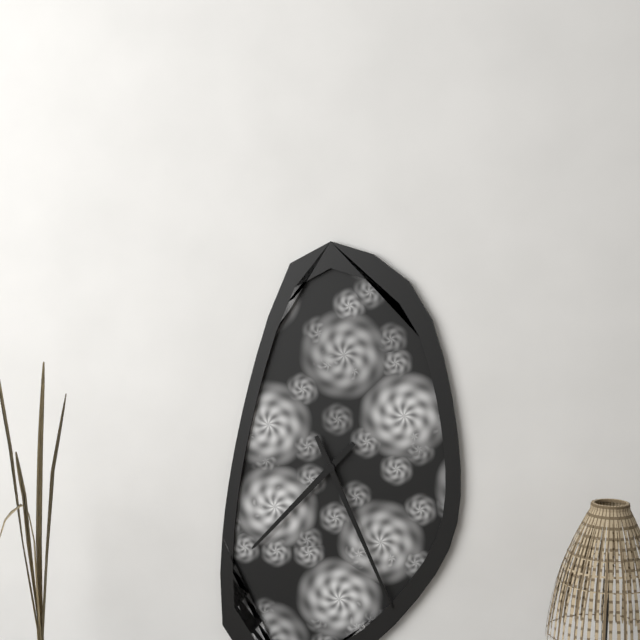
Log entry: 7h26
